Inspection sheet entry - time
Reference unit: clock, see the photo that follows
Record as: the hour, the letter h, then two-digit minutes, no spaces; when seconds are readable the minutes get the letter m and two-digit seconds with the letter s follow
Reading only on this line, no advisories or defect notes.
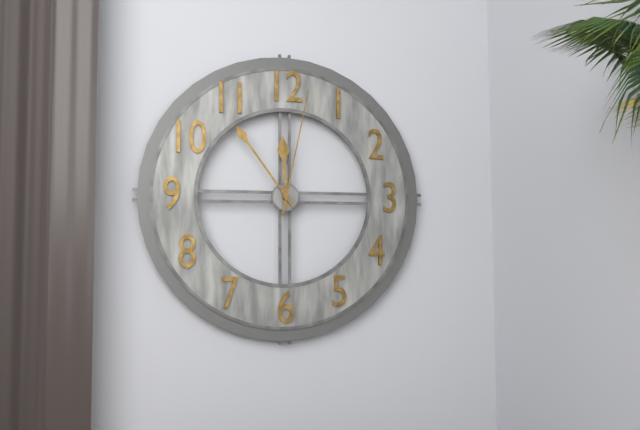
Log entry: 11h54m02s
